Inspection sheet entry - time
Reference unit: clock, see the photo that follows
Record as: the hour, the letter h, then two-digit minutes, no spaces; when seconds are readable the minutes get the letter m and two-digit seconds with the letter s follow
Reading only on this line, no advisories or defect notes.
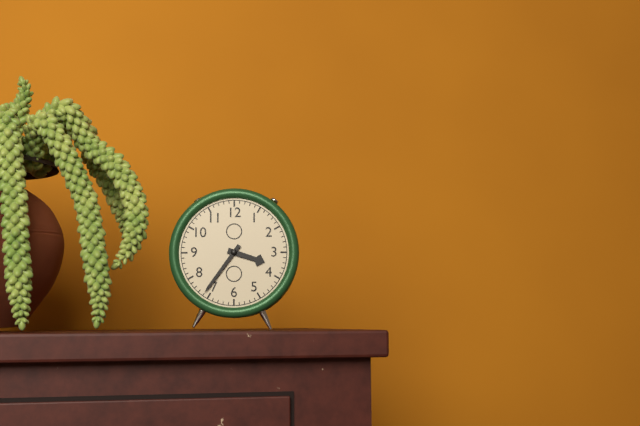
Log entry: 3h36
